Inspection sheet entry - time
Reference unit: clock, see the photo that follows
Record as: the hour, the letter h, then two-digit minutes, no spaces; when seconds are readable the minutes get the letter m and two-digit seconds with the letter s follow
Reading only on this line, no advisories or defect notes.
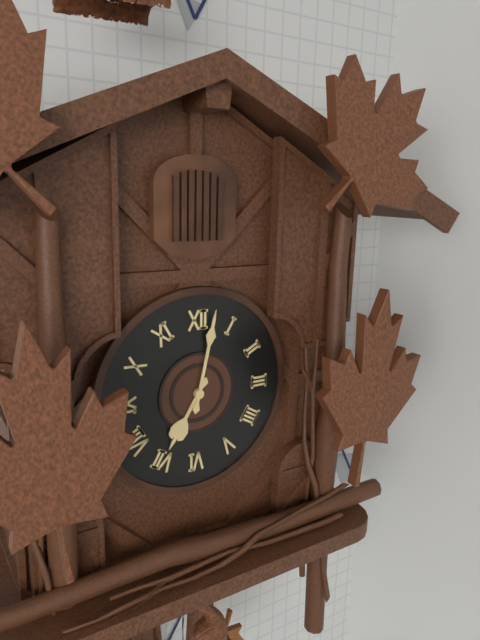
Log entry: 7h02
